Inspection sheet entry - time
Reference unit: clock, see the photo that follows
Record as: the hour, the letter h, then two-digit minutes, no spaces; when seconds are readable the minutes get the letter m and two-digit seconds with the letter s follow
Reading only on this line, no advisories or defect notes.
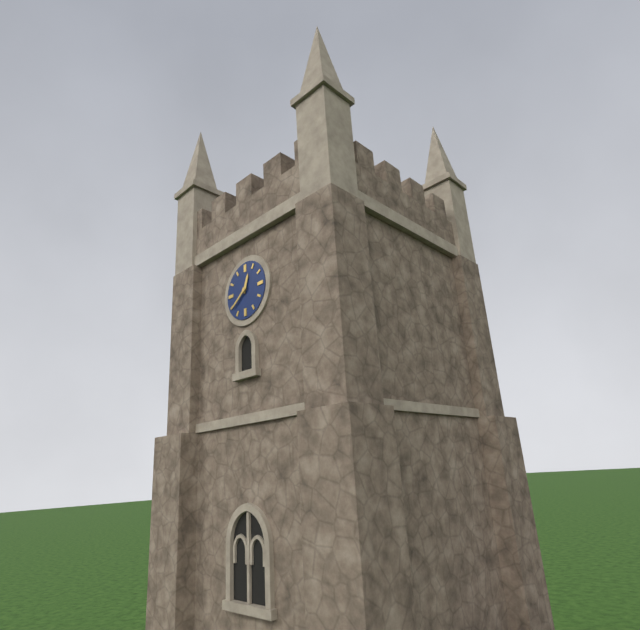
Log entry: 12h39
